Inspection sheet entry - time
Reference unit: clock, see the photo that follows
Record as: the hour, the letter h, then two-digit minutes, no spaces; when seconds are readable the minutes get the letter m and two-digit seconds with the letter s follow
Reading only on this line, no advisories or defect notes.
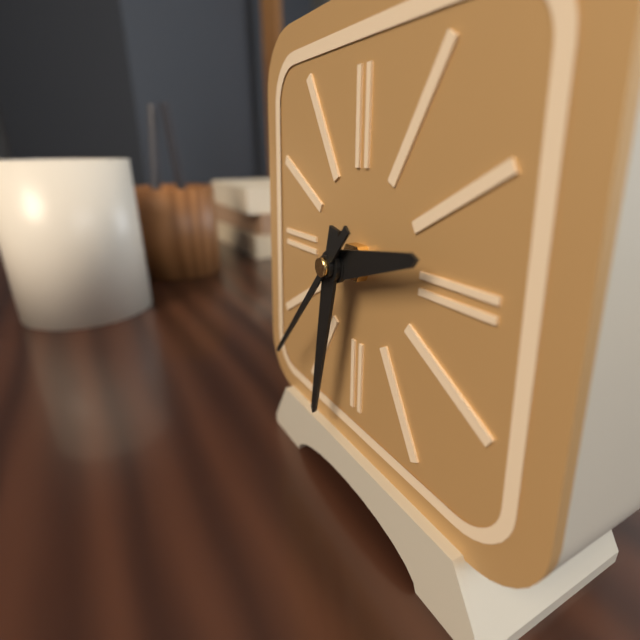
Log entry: 2h32m37s
